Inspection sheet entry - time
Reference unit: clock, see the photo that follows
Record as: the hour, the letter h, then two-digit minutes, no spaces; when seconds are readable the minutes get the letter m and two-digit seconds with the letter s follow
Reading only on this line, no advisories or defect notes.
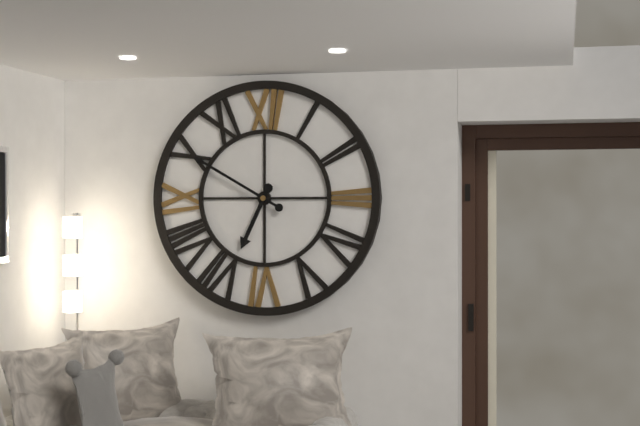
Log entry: 6h50
